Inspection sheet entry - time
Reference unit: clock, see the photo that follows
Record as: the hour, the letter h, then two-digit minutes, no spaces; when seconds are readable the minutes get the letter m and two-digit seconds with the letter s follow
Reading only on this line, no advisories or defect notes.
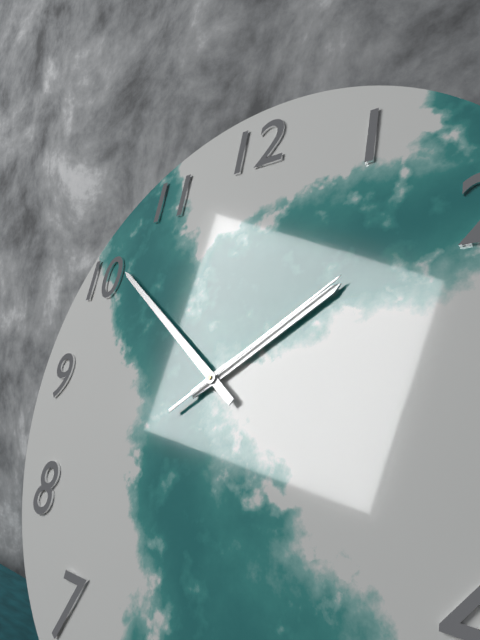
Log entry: 1h51m09s
